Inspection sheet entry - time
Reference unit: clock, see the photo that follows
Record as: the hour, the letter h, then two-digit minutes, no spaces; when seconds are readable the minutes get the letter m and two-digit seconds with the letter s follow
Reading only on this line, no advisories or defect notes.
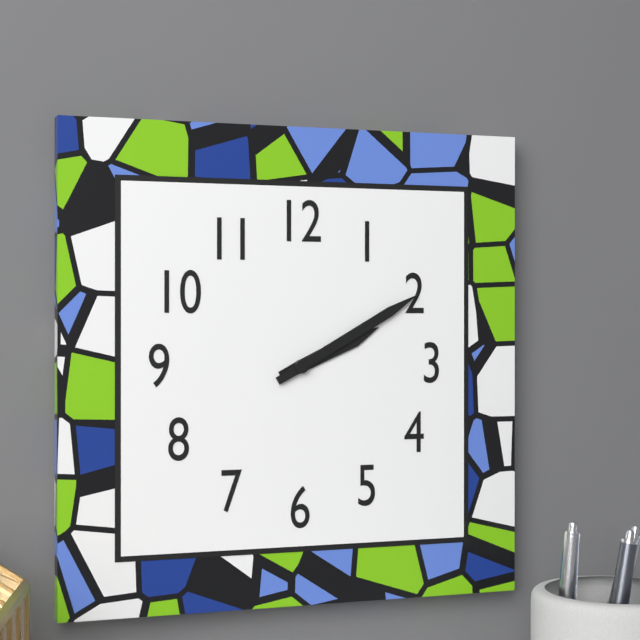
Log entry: 2h10
